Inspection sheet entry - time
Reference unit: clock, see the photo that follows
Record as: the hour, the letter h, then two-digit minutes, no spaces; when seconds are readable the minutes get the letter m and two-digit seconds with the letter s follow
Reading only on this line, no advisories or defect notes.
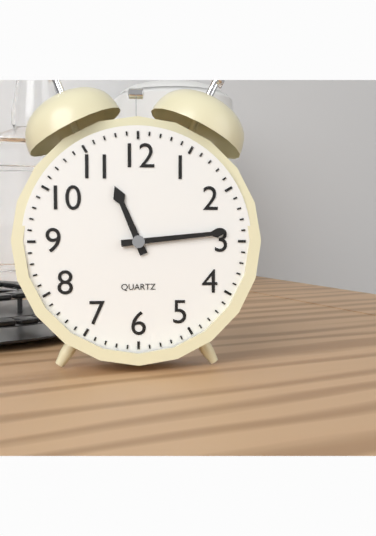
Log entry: 11h14
